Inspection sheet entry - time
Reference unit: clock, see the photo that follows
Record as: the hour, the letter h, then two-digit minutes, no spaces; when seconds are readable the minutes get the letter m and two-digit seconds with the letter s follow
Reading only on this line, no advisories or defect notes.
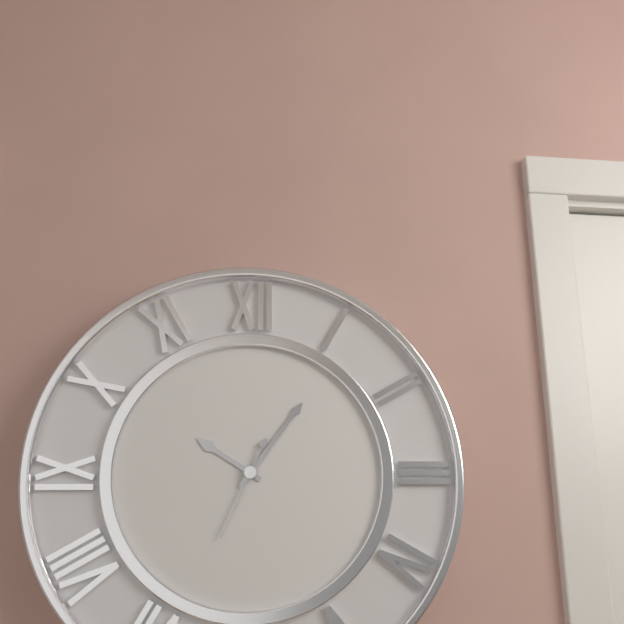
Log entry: 10h06m34s
